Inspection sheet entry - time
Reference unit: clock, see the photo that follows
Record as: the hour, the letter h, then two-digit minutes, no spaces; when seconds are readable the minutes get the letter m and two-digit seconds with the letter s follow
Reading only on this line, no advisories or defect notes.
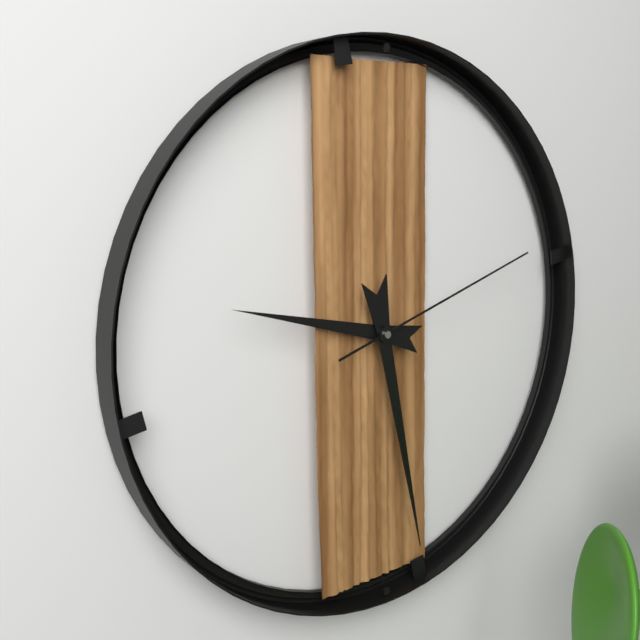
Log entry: 9h28m12s
